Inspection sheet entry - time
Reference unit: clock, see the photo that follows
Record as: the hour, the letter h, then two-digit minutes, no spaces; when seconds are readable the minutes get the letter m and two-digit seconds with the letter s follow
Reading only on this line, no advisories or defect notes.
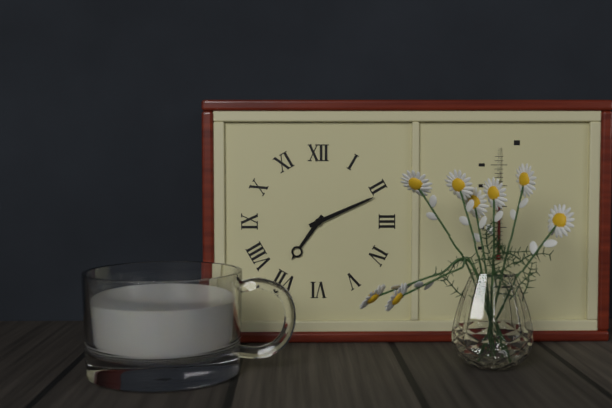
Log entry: 7h11
